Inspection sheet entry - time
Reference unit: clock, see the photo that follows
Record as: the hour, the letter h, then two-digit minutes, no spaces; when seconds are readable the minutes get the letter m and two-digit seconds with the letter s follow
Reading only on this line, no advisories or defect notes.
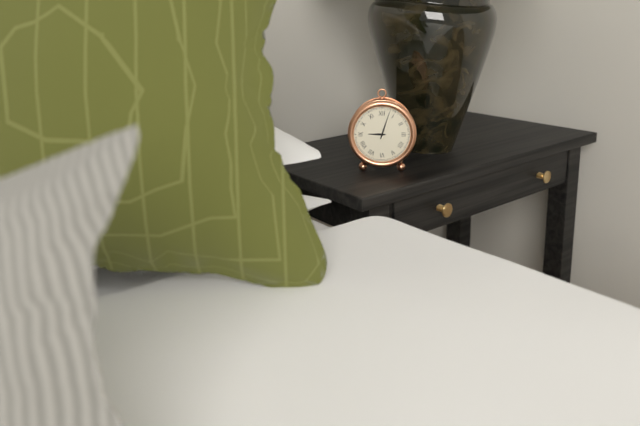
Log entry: 9h03
